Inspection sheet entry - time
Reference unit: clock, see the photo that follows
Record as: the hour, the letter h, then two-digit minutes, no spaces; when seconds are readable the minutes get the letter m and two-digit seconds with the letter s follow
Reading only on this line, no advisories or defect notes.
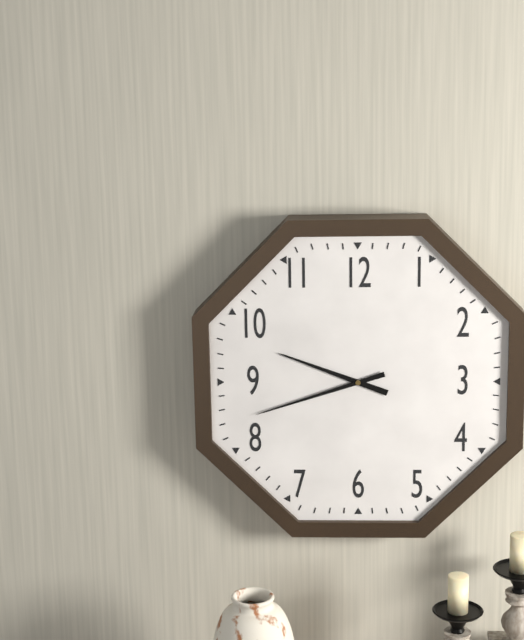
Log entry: 9h42
